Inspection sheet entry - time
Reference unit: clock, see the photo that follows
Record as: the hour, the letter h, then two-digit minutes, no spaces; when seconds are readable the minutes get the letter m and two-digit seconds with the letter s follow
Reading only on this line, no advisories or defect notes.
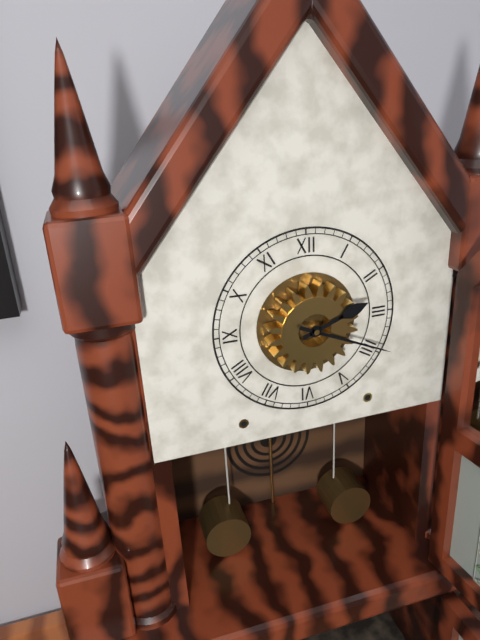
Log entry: 2h19
